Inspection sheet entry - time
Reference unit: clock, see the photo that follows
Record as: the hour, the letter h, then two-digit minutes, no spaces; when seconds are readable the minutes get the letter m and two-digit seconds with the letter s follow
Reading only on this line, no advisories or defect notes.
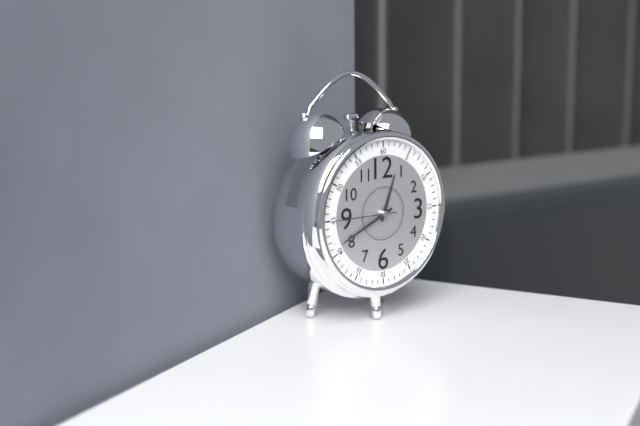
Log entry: 12h41m45s
